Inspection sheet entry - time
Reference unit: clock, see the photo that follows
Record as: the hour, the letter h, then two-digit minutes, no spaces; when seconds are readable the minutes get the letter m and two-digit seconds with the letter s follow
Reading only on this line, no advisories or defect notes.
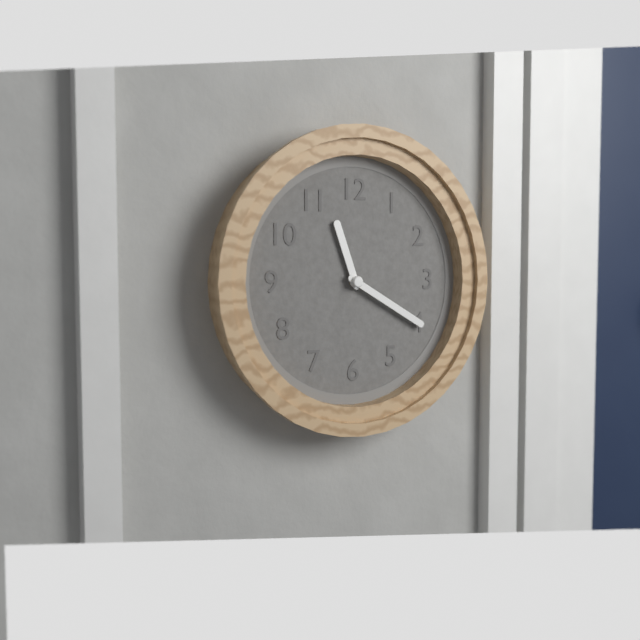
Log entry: 11h20
